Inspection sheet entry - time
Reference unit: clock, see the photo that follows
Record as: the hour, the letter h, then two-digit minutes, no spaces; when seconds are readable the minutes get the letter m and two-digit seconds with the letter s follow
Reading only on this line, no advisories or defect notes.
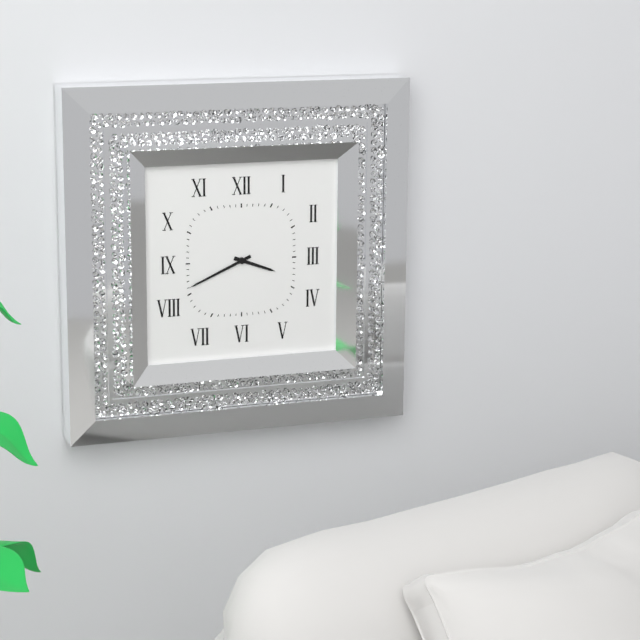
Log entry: 3h41
